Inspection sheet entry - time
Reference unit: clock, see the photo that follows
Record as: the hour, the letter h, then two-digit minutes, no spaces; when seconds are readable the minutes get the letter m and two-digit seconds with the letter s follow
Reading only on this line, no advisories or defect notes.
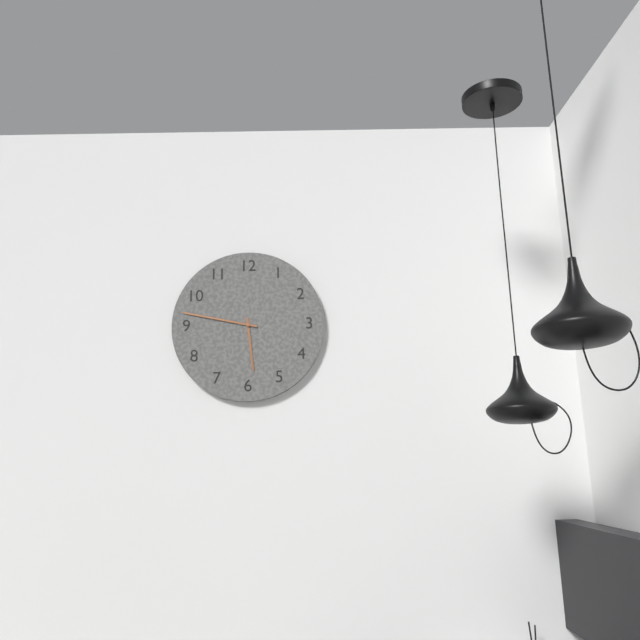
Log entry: 5h47
